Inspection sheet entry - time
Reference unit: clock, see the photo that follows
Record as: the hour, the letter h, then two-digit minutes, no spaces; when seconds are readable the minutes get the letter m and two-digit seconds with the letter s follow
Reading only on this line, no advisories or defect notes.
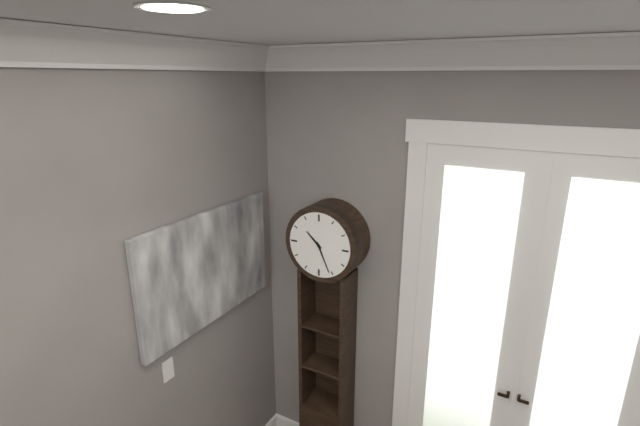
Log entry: 10h26
